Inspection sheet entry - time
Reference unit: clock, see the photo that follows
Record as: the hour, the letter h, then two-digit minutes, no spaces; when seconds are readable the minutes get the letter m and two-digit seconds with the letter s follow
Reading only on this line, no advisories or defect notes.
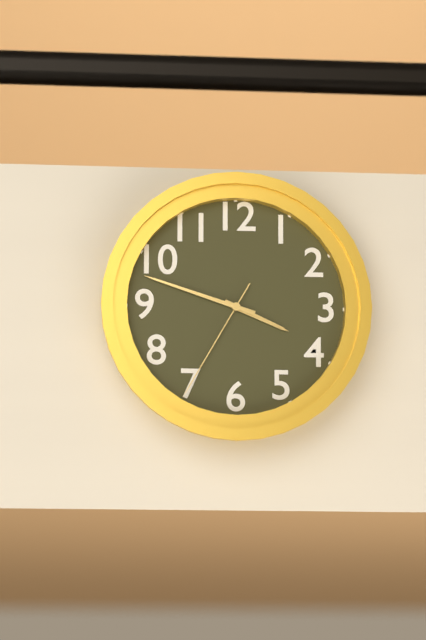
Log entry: 3h48m35s
